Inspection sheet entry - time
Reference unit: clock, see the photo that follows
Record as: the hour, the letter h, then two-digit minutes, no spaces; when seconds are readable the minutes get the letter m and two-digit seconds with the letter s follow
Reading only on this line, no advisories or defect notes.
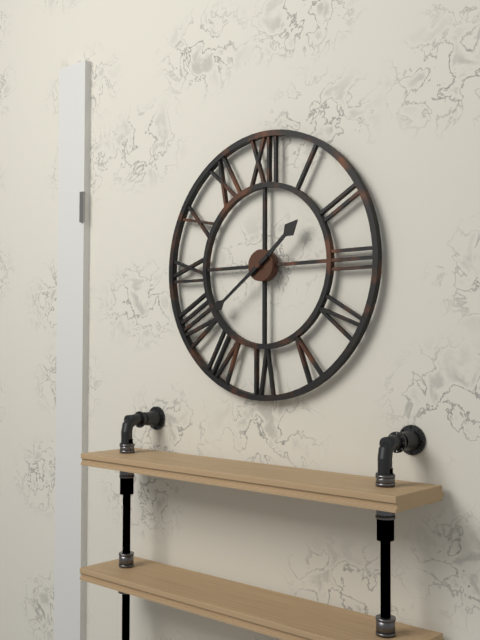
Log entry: 1h39
